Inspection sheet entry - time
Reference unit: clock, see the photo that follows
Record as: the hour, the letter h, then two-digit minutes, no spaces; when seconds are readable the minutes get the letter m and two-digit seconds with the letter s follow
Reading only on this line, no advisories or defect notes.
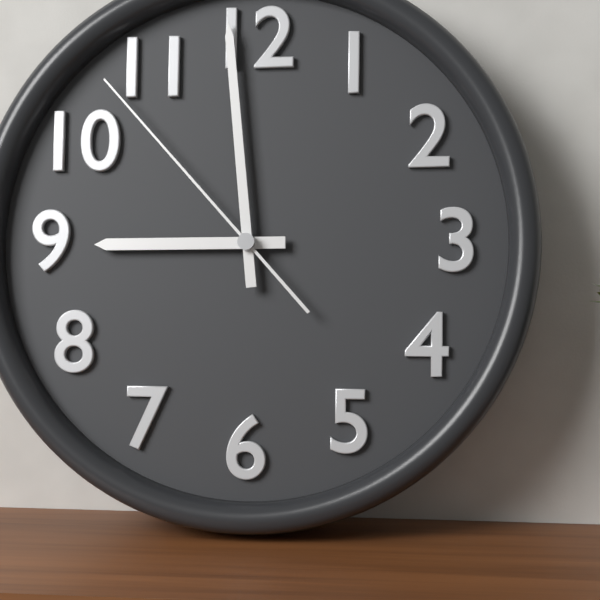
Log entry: 8h59m53s
